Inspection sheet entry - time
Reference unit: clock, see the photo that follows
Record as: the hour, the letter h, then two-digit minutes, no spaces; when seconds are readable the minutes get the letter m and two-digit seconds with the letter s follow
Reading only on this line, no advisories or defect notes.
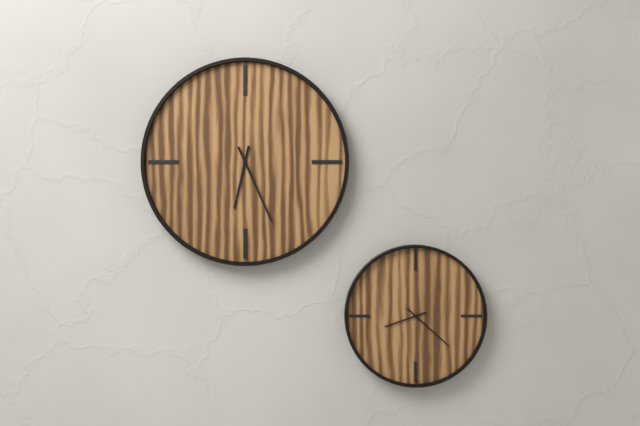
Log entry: 6h26
